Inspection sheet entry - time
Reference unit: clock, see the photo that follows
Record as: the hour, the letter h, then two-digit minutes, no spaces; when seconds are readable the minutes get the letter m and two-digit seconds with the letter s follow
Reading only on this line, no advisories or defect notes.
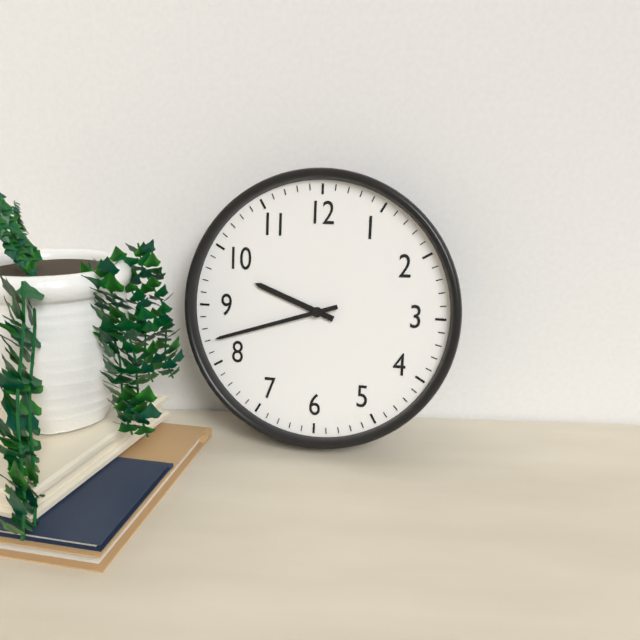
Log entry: 9h42
